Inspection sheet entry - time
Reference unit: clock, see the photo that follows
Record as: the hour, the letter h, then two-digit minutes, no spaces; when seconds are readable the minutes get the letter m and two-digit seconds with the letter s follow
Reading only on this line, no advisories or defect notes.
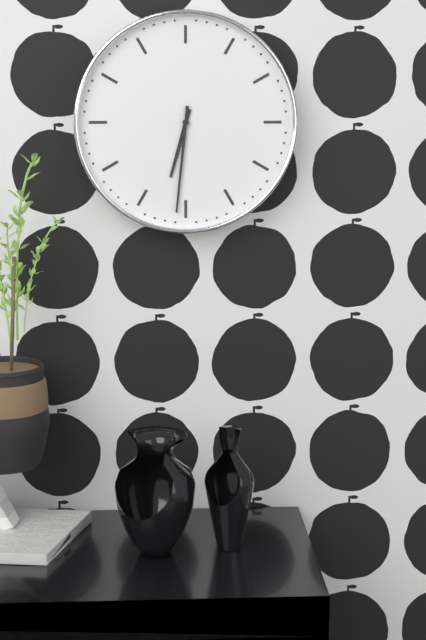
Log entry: 6h31
